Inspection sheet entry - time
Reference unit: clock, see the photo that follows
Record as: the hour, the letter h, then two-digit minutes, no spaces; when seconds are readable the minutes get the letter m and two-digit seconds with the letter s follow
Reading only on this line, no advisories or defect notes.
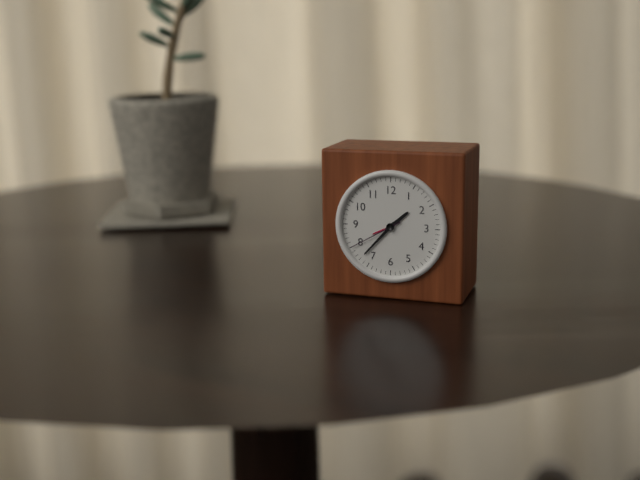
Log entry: 1h37m40s
